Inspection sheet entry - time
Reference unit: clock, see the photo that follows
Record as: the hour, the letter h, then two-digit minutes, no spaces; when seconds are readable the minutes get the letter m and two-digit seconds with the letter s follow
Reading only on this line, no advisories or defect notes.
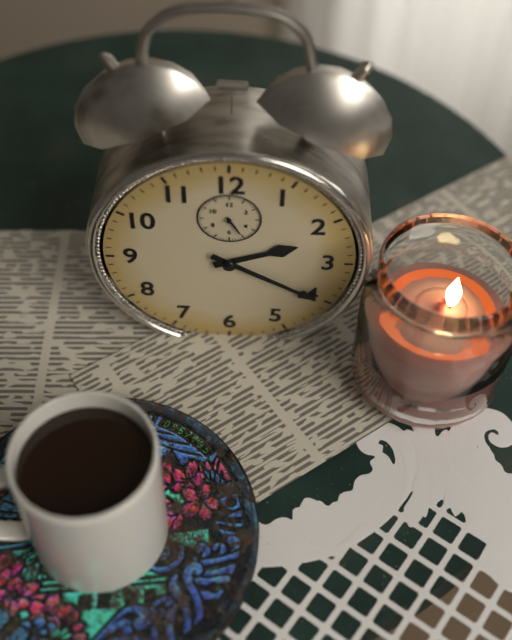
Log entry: 2h20
